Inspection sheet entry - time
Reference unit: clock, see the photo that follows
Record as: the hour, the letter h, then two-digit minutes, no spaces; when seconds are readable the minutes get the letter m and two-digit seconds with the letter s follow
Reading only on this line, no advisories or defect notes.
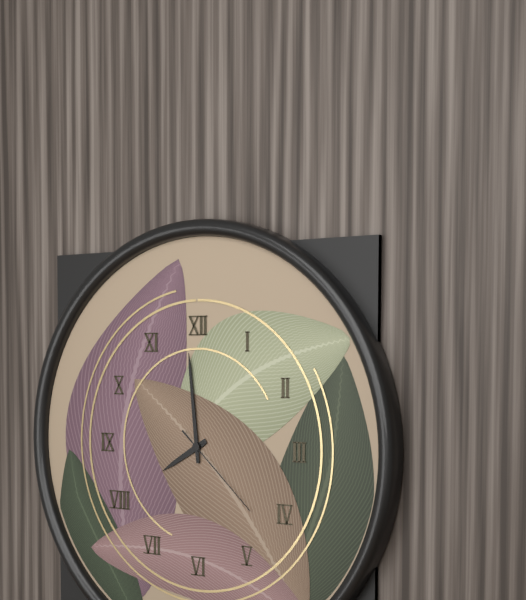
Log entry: 7h59m22s
